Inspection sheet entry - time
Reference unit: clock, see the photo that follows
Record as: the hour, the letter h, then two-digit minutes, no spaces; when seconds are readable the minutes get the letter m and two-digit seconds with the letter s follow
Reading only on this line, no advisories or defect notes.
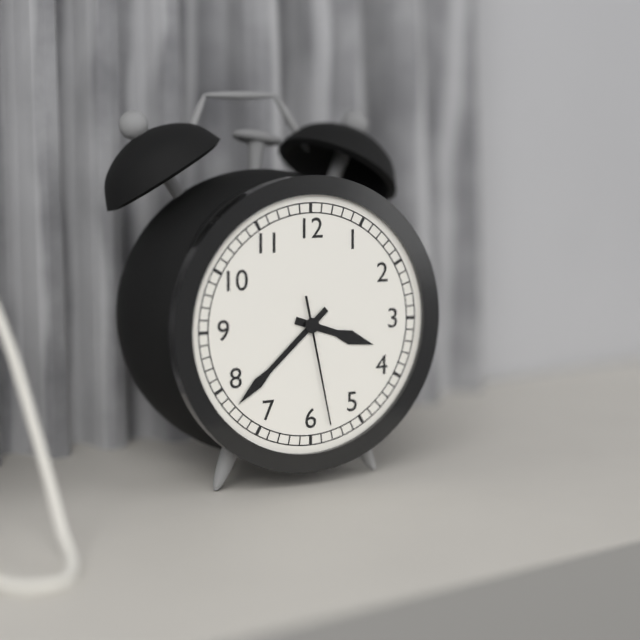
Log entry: 3h38m28s
